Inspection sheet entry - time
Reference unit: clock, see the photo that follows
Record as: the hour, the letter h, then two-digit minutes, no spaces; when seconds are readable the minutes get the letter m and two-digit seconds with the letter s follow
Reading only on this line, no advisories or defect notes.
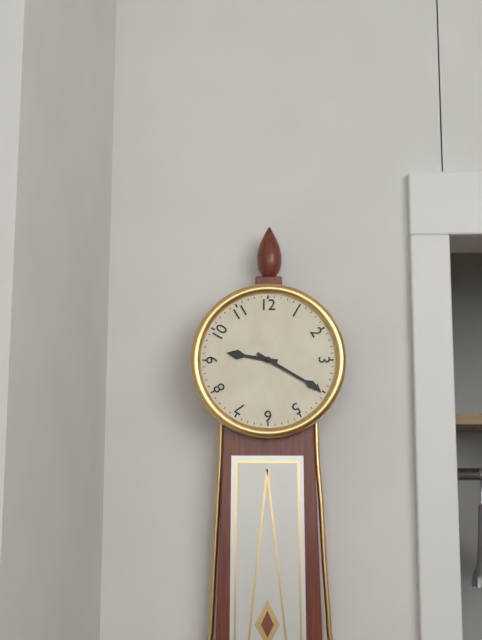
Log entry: 9h20
